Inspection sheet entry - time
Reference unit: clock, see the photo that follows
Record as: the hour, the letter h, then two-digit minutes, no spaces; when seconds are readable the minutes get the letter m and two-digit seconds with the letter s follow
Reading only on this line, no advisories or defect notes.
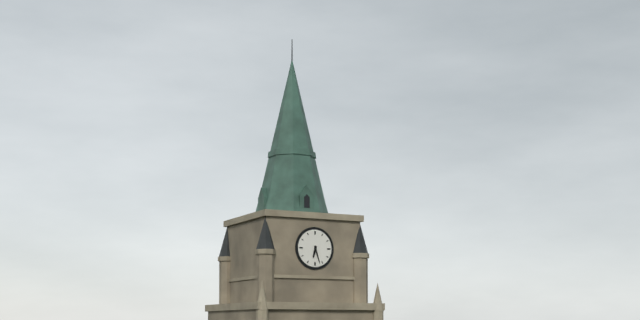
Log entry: 6h27
